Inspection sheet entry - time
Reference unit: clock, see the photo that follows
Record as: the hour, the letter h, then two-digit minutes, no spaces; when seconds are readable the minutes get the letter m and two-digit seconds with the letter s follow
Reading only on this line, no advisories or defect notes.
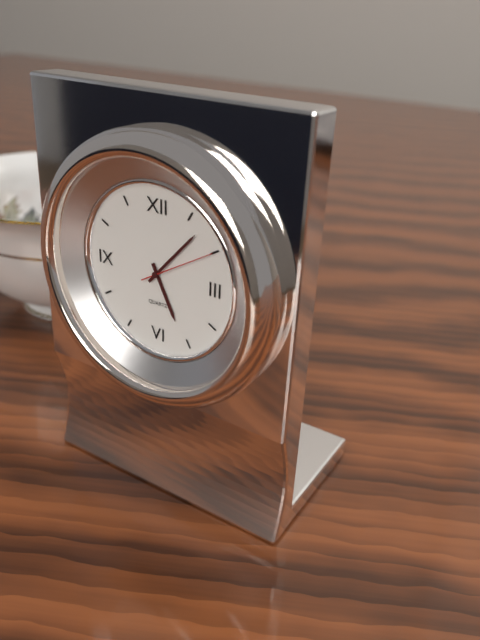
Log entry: 5h07m10s
